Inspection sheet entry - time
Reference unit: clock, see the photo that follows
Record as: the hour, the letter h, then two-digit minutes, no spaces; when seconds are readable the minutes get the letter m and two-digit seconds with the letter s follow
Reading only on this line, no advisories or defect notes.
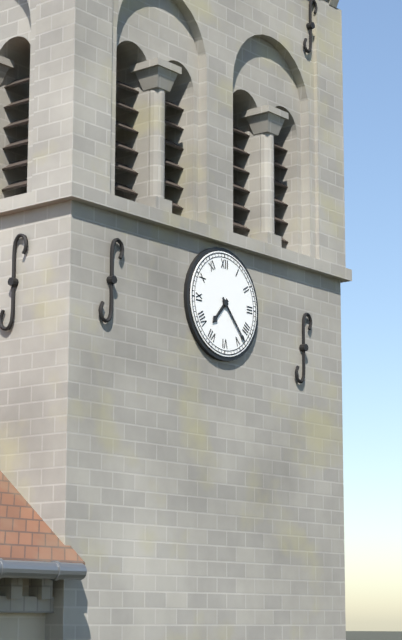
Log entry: 7h23
